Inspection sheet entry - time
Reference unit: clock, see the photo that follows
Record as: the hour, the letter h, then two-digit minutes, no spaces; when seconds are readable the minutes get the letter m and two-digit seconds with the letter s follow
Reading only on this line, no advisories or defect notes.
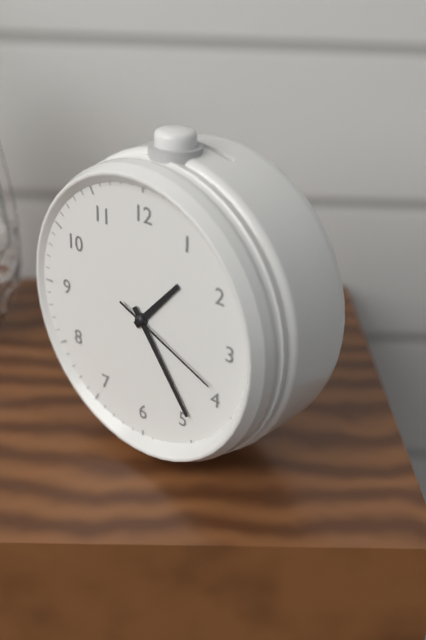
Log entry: 1h24m19s
